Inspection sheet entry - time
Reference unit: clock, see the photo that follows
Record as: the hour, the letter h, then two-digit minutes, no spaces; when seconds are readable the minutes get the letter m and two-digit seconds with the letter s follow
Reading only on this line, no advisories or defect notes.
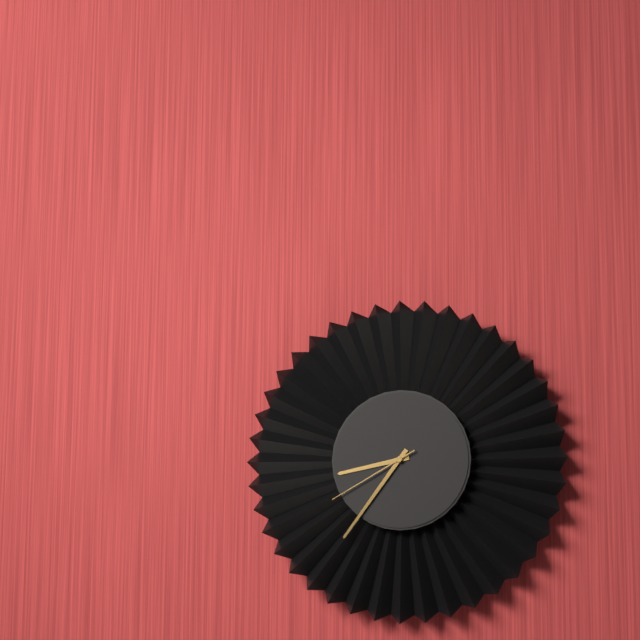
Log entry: 8h36m40s
